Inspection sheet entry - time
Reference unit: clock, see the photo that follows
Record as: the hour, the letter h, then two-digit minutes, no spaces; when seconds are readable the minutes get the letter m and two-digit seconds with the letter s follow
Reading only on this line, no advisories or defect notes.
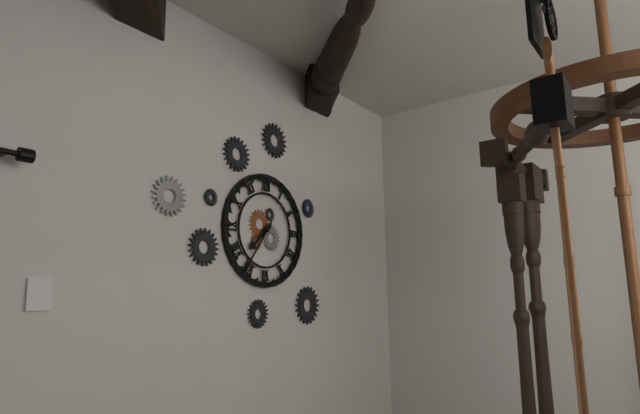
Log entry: 7h36
